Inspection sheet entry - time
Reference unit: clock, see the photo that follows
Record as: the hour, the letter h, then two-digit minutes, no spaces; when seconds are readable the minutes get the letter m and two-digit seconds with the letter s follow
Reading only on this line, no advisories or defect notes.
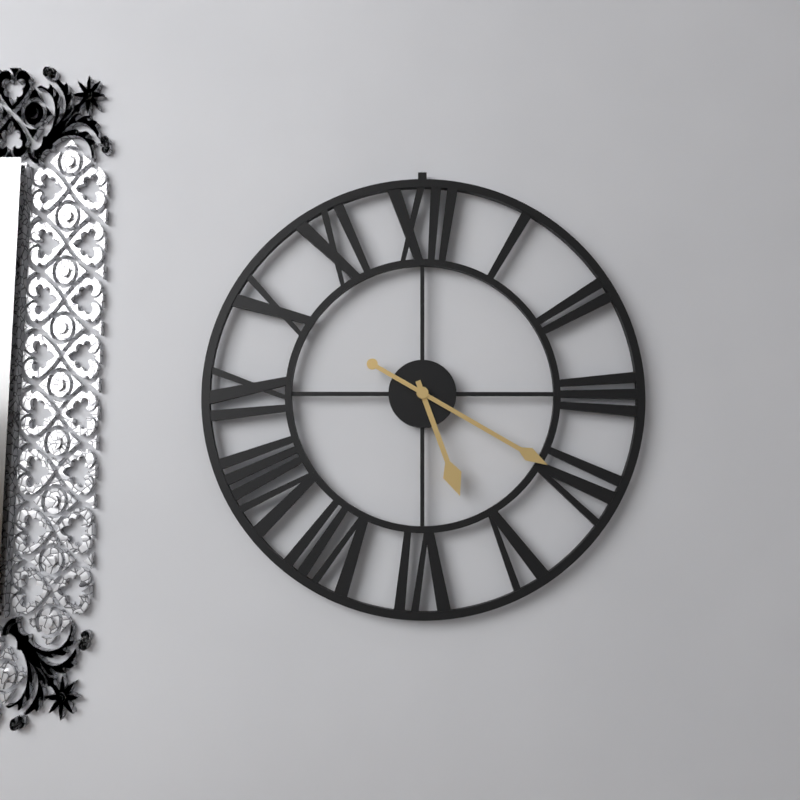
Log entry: 5h20
